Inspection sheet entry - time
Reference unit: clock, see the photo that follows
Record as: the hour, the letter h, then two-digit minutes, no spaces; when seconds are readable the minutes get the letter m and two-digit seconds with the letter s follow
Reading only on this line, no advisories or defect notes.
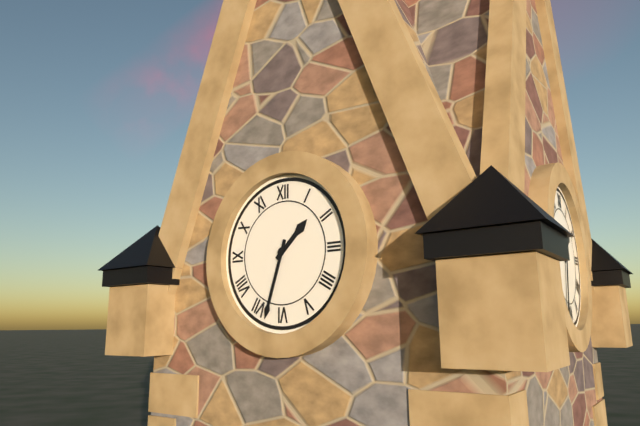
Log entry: 1h33
